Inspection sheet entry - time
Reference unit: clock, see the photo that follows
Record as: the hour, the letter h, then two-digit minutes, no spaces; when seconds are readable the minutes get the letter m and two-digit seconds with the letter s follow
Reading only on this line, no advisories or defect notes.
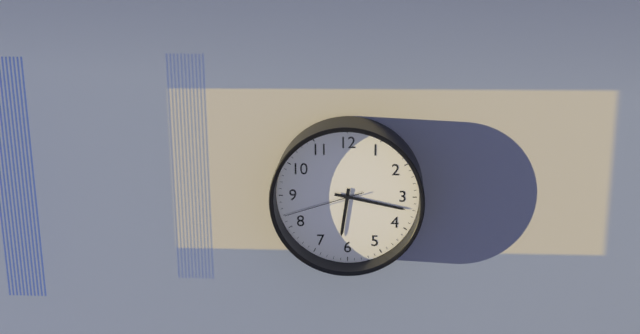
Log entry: 6h17m42s
